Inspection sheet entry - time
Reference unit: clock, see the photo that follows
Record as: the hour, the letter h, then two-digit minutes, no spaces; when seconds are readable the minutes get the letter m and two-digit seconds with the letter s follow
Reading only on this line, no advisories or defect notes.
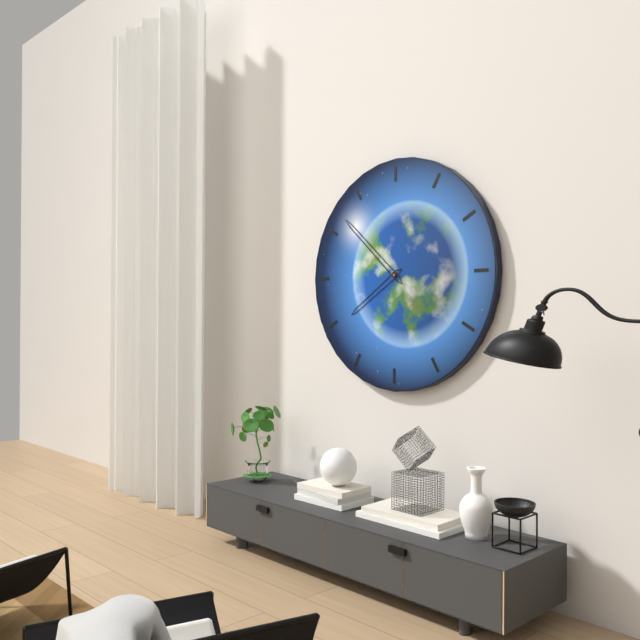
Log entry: 7h52
